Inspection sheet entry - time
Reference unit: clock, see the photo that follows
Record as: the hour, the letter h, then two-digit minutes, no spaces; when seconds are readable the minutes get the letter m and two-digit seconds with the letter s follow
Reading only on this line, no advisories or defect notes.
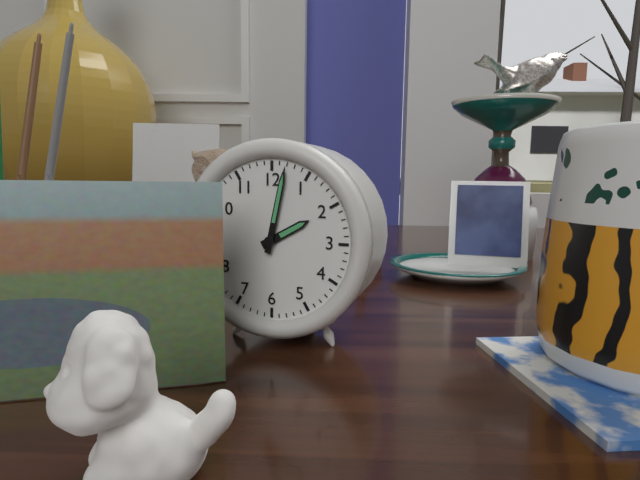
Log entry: 2h02
